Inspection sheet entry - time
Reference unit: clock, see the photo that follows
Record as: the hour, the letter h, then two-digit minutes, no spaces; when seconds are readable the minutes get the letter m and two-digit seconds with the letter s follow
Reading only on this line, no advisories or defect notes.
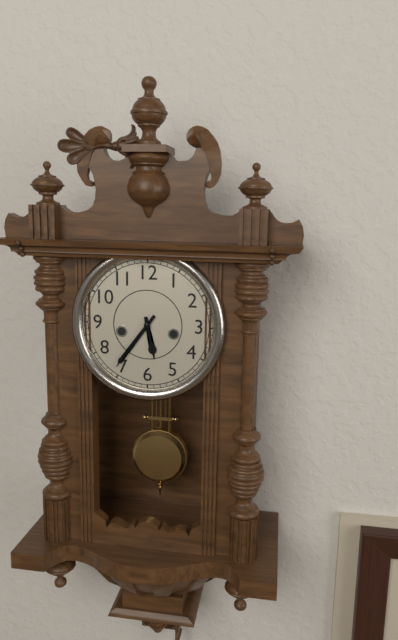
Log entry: 5h36
